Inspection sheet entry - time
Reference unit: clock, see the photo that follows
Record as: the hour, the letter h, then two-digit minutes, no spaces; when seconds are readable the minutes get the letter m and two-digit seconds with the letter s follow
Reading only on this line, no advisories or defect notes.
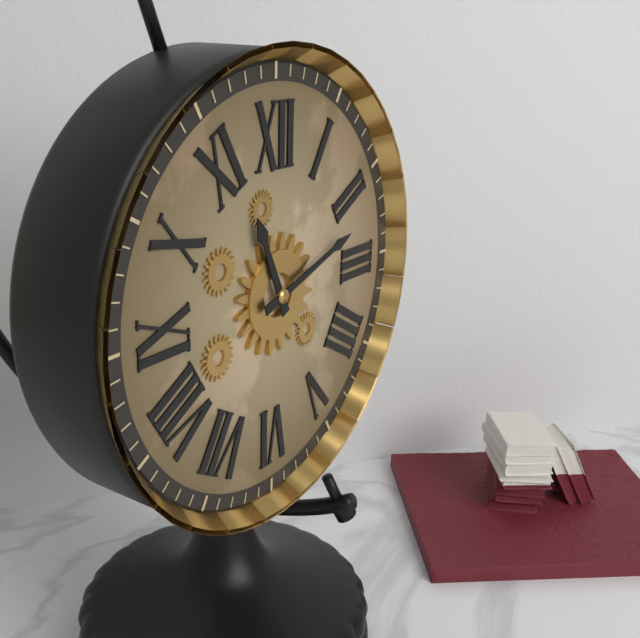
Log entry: 11h12
